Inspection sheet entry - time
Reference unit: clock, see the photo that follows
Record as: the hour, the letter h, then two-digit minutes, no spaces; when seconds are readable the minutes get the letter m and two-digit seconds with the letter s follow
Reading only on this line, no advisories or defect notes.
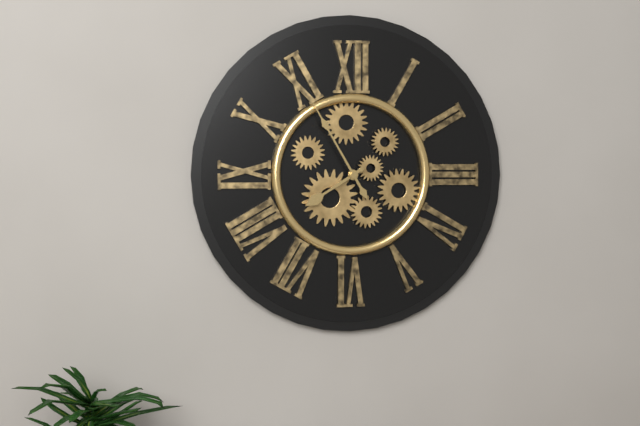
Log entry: 7h55
